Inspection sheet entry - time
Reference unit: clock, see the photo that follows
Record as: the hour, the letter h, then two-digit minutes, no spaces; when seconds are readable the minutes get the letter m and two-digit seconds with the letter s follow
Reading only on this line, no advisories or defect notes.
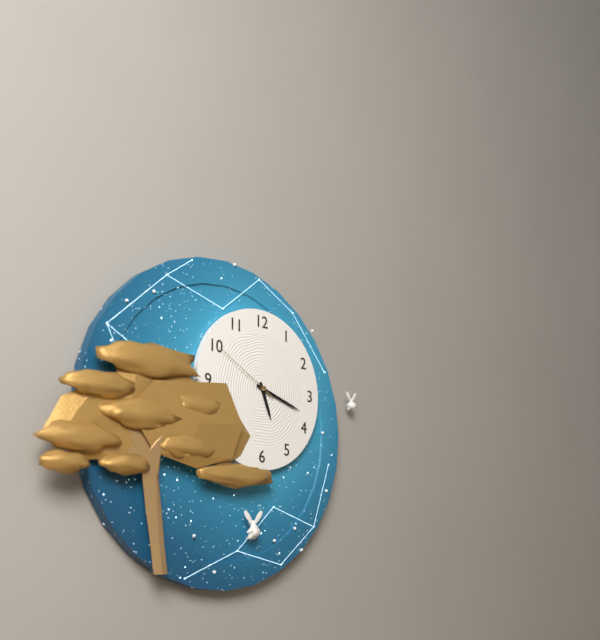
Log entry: 5h18m50s
